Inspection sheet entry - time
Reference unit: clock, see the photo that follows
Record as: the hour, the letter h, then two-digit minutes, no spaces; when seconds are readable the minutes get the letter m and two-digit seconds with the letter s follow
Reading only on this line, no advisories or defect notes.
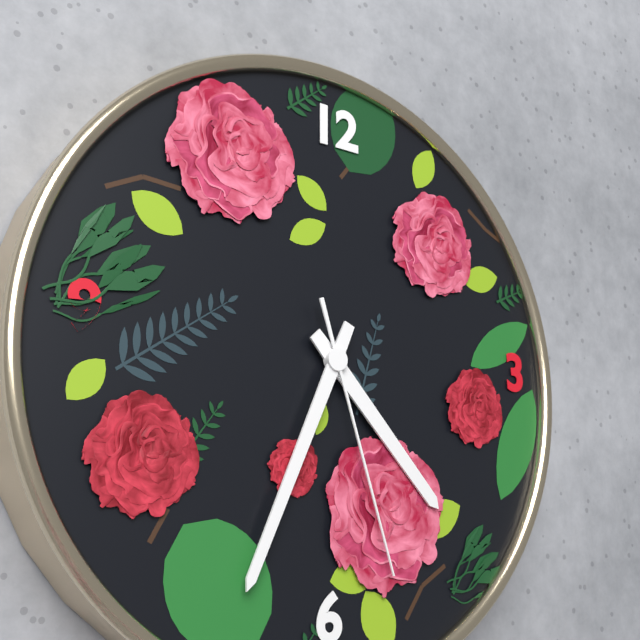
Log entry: 4h34m27s
